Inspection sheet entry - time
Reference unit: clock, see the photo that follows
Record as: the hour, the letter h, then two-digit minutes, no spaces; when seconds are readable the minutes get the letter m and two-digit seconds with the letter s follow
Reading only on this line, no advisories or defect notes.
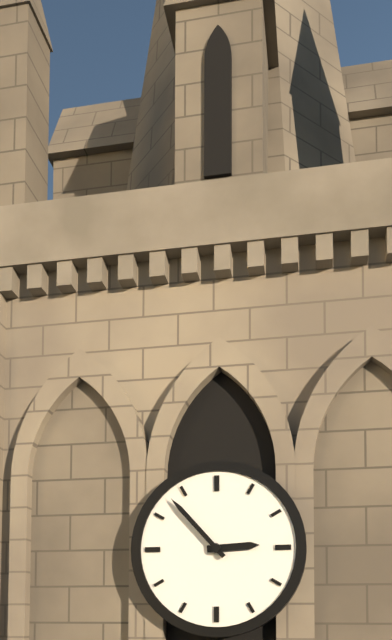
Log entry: 2h53
